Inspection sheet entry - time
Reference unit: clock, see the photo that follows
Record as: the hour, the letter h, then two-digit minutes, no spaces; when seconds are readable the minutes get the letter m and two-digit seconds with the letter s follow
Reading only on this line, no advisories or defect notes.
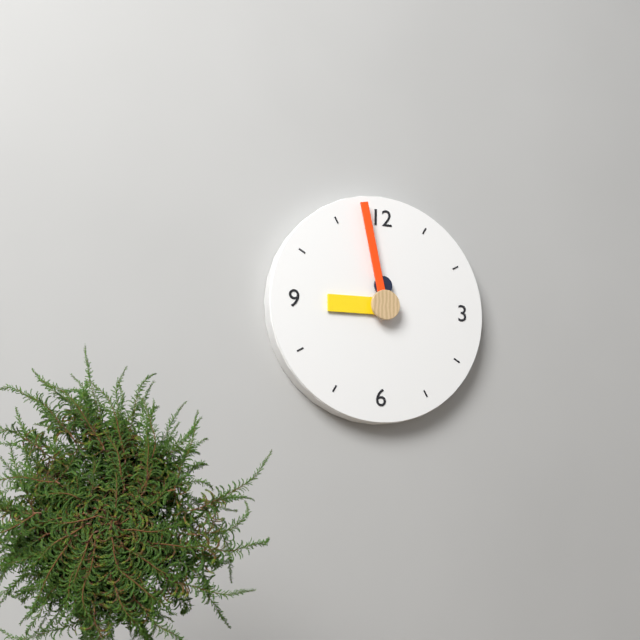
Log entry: 8h58
